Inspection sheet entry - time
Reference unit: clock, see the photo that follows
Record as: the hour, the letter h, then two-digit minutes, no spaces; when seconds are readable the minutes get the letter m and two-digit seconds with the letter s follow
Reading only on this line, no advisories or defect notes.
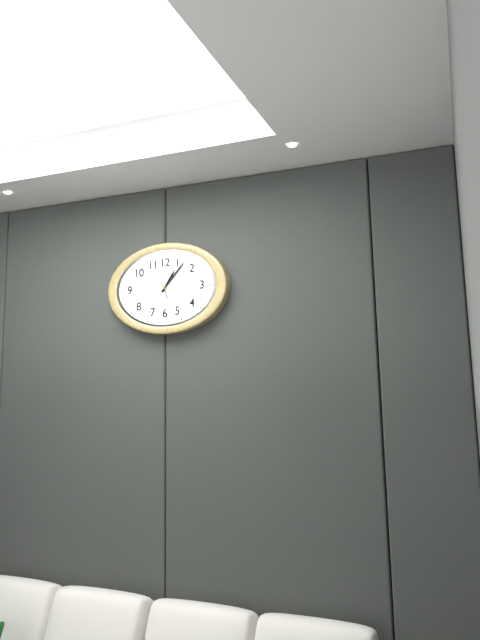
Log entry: 1h07
